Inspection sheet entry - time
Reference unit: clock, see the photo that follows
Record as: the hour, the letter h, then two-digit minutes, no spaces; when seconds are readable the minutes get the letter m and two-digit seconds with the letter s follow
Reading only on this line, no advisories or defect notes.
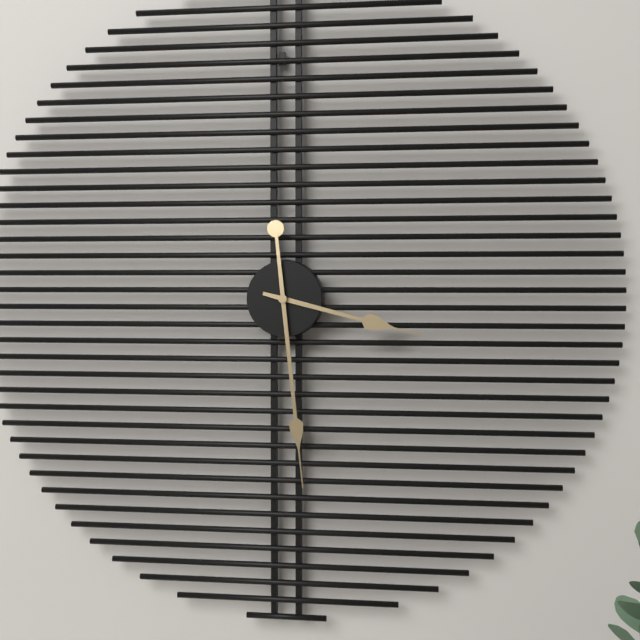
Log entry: 3h29
